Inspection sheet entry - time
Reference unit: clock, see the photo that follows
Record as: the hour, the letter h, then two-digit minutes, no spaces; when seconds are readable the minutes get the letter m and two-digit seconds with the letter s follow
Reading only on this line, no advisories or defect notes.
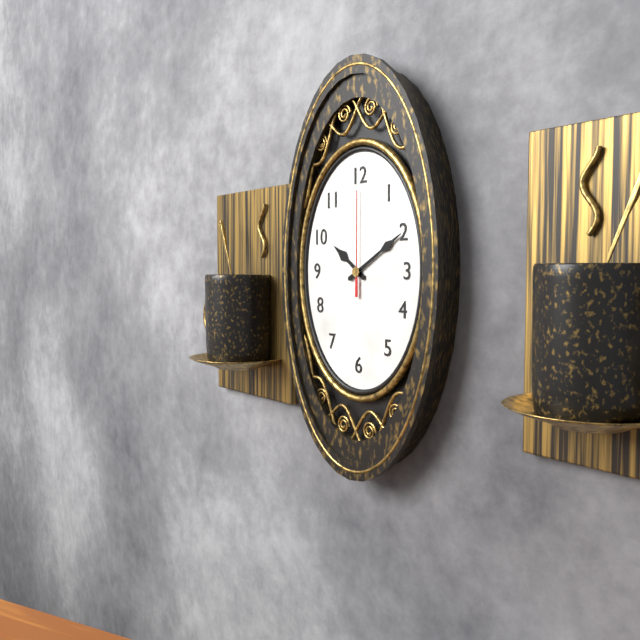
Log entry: 10h10m00s
